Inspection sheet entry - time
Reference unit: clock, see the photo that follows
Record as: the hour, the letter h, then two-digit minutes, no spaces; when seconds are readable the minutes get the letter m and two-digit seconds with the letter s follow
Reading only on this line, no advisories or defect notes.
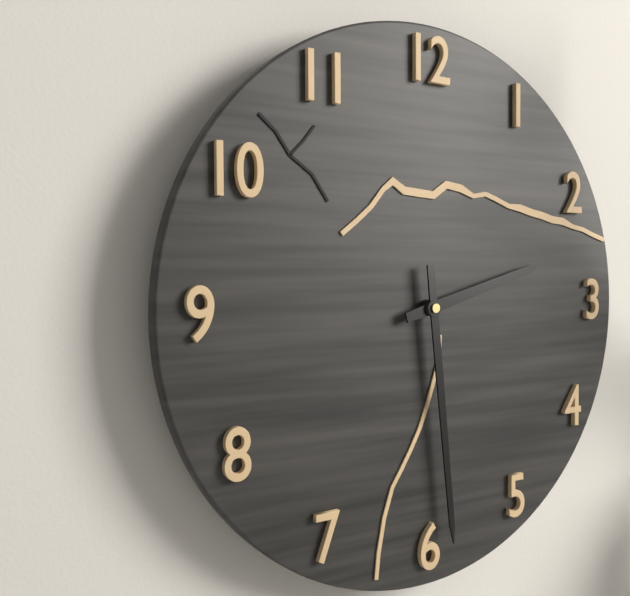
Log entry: 2h29
